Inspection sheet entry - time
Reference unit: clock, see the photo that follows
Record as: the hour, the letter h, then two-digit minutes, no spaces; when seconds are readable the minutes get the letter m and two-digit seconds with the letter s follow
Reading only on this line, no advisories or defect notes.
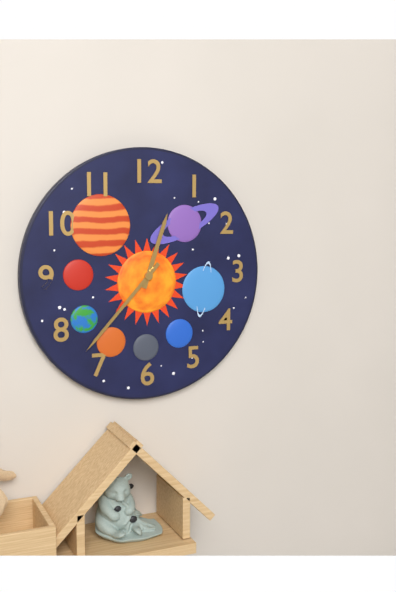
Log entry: 12h37
